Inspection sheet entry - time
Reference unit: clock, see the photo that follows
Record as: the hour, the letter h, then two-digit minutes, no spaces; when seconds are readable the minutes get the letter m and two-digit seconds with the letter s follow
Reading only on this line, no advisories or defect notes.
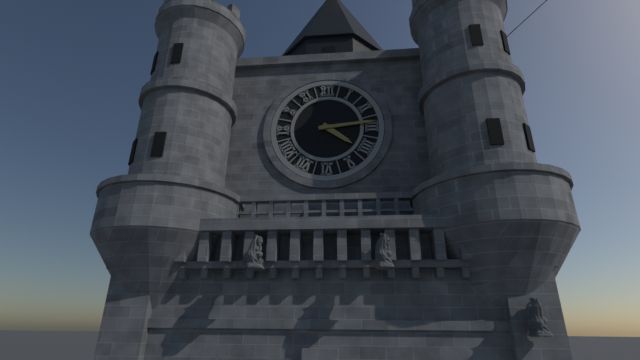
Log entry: 4h14
